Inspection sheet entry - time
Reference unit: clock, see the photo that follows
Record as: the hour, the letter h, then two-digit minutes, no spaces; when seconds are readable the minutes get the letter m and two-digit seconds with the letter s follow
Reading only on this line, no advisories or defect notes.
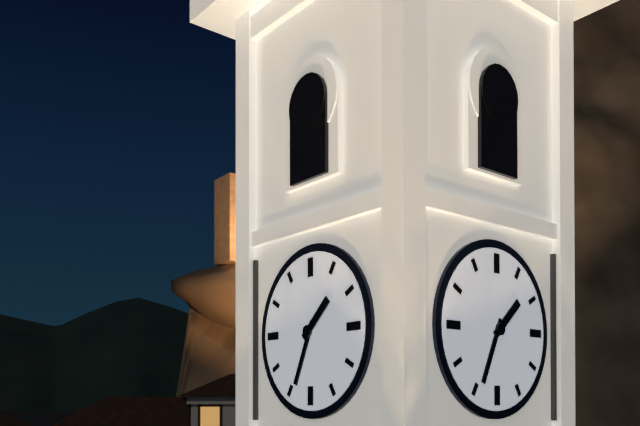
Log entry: 1h34
